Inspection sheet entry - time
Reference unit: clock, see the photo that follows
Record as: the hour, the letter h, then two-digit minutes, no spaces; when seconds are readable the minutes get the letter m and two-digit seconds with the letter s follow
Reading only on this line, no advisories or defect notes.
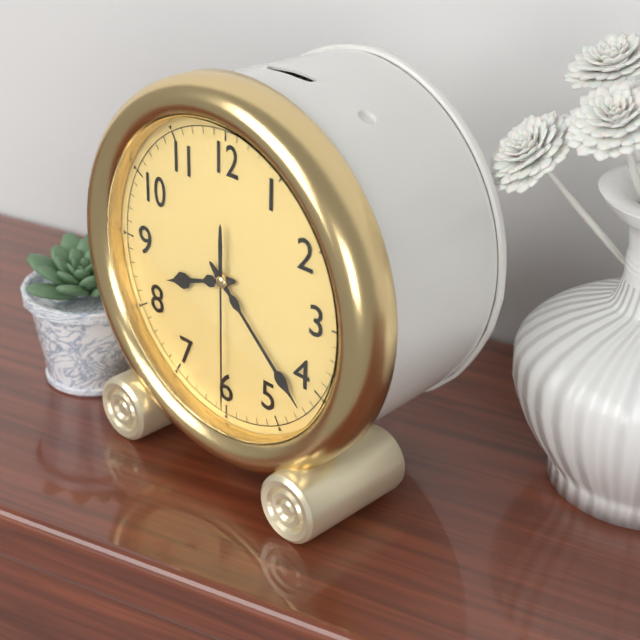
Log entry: 8h22m30s
